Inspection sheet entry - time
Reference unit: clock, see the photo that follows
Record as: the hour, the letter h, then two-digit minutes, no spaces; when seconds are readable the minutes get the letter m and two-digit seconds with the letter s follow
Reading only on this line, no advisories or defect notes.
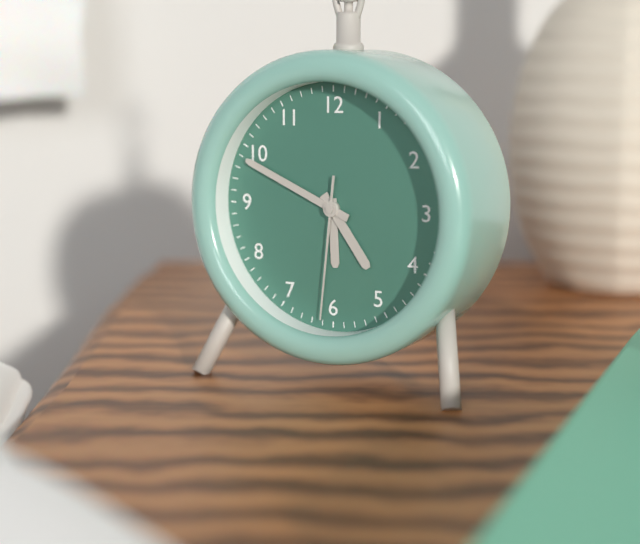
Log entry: 4h49m31s
